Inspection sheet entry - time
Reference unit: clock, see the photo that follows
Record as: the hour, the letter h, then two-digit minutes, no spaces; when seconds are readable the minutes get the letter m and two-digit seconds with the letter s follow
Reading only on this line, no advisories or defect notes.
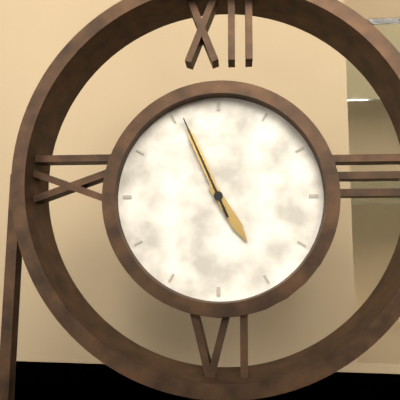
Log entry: 4h56m56s
